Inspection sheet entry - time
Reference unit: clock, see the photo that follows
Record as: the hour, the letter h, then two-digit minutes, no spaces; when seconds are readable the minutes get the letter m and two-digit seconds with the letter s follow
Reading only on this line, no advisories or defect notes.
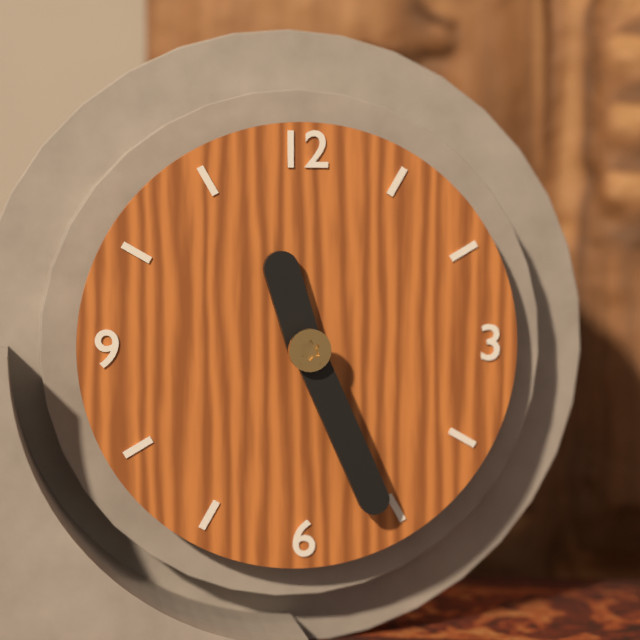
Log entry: 11h26
